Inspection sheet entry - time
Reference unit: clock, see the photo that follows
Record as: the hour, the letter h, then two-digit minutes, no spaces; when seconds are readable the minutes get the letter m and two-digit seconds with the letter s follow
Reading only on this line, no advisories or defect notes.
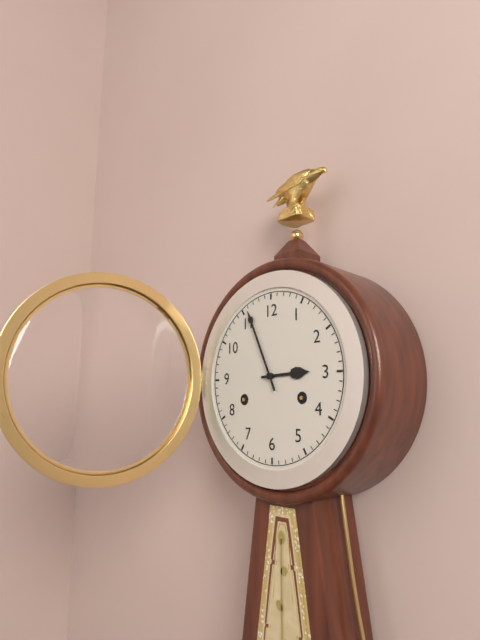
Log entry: 2h56
